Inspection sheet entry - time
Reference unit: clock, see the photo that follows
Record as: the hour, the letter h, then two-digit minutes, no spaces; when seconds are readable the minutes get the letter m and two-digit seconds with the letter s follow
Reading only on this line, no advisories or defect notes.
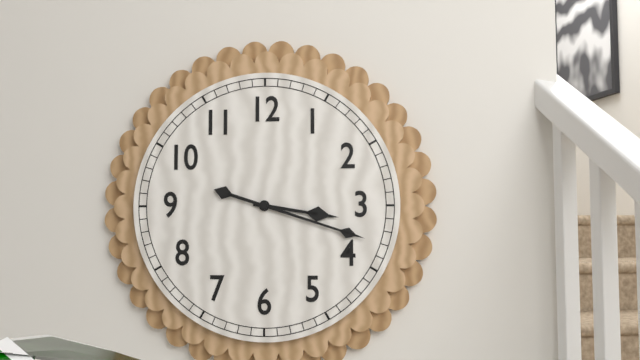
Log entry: 3h18
